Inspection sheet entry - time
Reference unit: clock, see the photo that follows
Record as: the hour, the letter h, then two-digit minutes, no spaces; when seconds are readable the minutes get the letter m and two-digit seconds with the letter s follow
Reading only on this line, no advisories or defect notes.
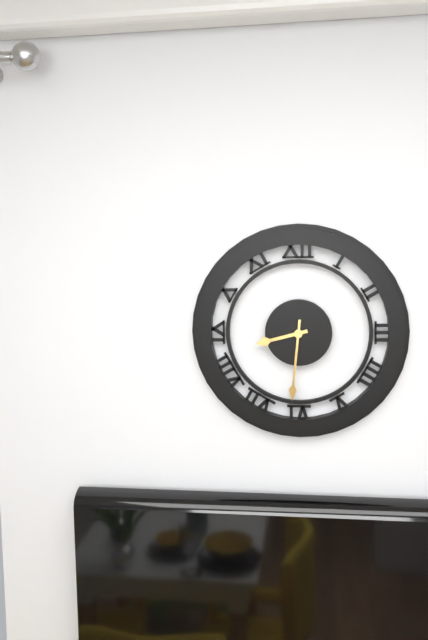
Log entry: 8h31
